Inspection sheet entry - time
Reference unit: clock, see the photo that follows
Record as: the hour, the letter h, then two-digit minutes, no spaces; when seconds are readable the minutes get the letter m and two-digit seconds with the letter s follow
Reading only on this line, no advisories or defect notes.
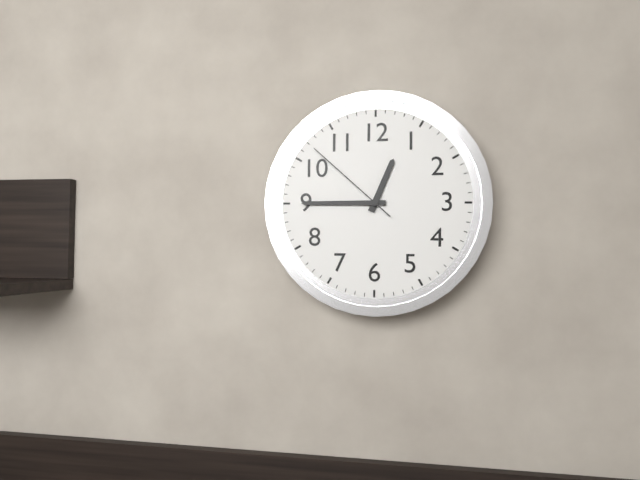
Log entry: 12h45m52s
